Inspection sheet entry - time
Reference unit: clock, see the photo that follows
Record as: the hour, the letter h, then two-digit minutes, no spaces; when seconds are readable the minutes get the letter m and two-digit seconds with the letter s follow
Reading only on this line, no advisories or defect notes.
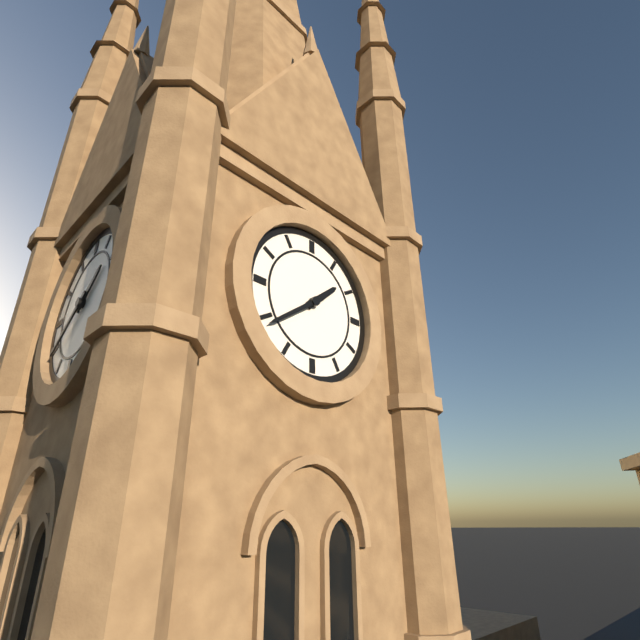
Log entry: 1h39
